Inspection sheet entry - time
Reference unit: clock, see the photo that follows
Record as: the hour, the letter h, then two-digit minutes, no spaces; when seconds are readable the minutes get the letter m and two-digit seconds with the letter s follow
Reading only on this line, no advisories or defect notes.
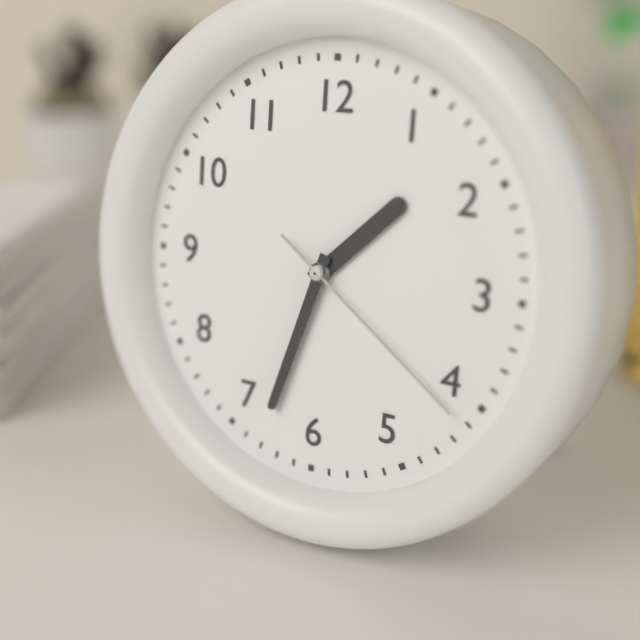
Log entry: 1h33m21s
